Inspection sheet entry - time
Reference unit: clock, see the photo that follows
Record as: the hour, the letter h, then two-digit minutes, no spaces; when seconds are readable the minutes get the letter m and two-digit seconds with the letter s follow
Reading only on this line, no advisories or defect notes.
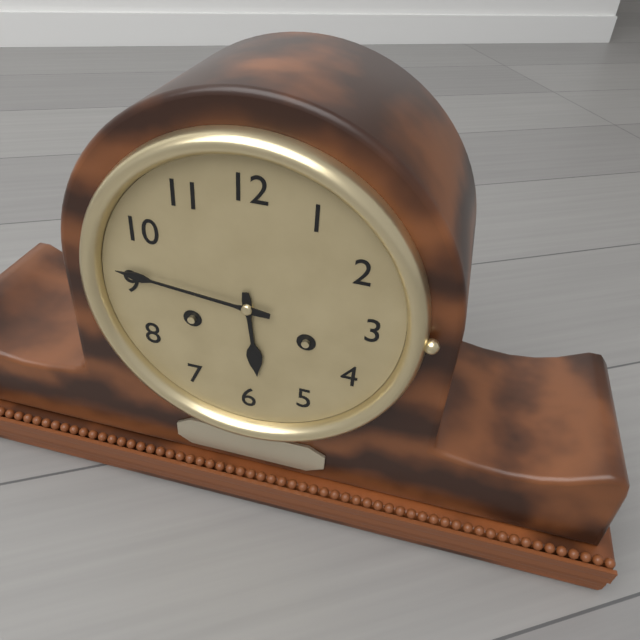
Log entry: 5h46
